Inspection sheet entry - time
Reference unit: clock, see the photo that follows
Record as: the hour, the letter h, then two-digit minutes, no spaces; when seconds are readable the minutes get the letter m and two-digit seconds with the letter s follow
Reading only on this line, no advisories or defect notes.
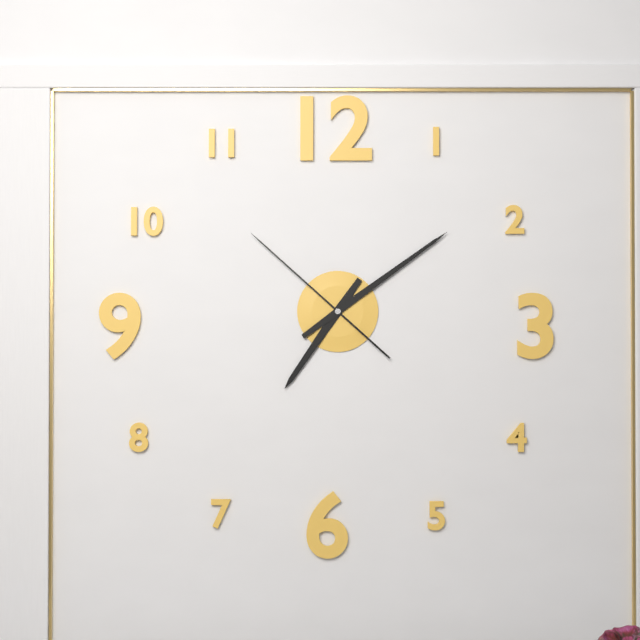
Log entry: 7h09m52s
